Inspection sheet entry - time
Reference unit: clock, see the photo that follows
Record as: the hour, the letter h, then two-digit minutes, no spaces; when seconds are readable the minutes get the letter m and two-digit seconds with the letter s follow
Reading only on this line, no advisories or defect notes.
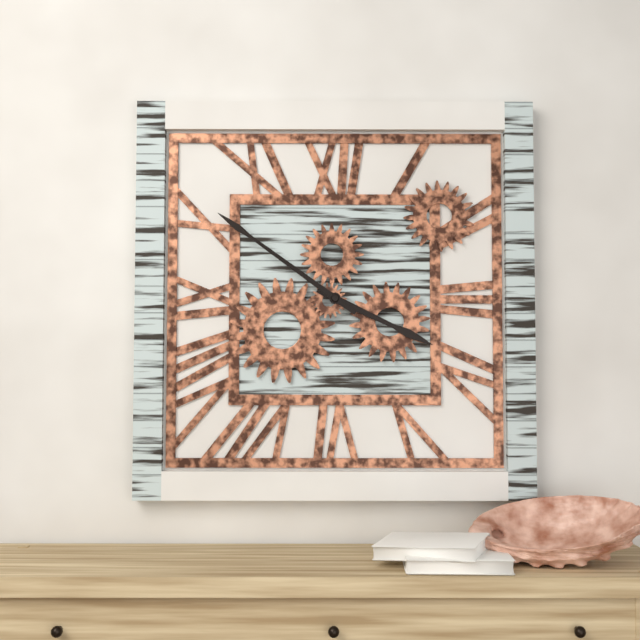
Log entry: 3h51
